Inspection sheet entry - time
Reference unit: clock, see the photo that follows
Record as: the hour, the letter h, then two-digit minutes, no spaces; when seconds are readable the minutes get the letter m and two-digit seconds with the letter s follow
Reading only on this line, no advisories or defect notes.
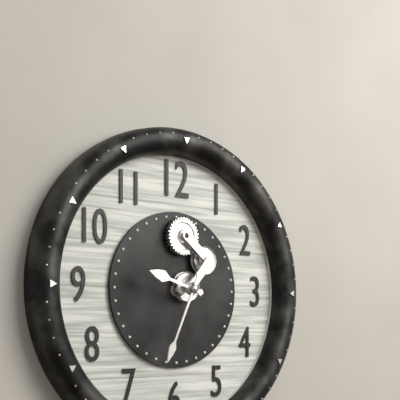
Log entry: 9h34
